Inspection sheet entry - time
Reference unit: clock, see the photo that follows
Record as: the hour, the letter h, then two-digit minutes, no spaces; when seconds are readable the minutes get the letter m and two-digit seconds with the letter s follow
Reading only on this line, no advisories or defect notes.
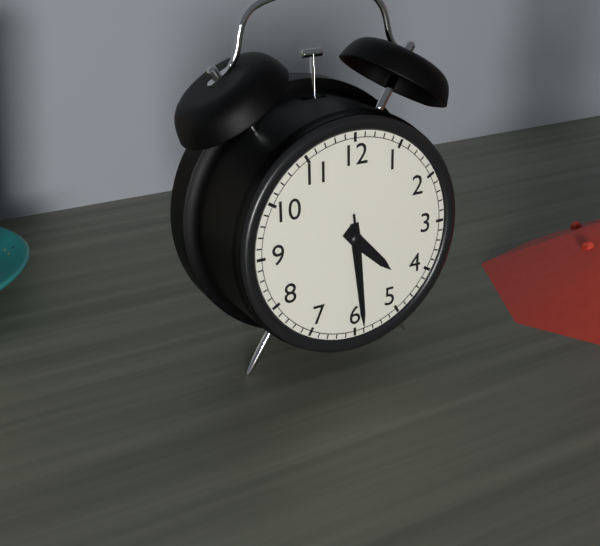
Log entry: 4h29m29s
